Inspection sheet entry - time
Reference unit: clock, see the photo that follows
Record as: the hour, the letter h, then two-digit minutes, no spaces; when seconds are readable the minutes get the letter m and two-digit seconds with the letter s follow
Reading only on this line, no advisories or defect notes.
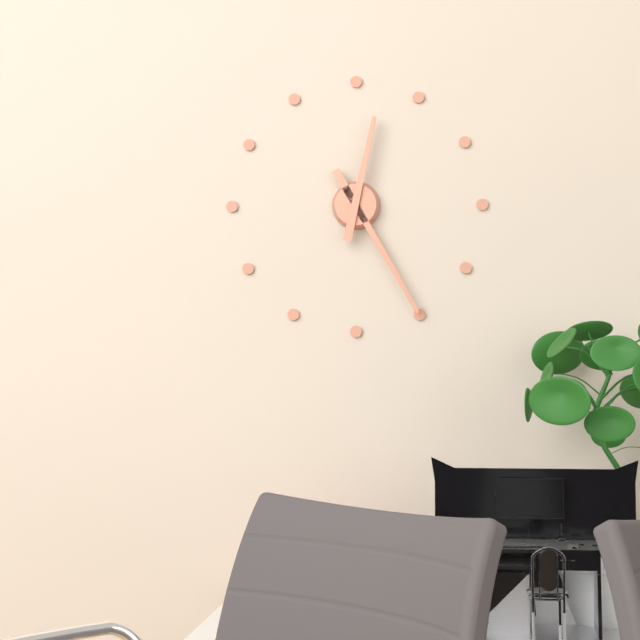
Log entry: 12h25
